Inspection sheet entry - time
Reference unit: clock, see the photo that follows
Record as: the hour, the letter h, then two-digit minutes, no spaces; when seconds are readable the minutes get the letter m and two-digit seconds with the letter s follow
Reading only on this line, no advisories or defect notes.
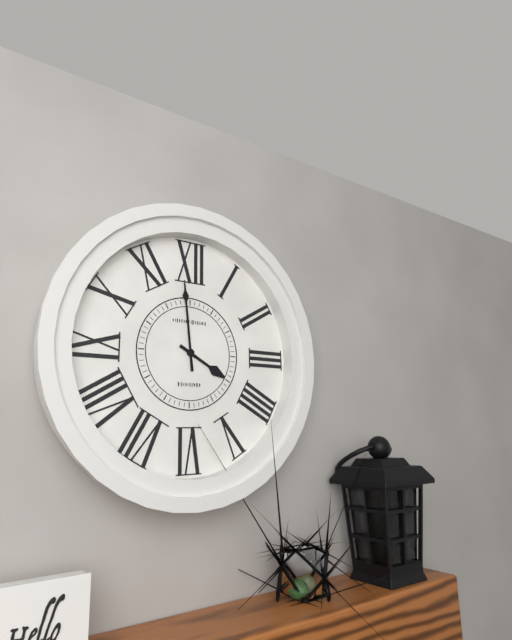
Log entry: 3h59
